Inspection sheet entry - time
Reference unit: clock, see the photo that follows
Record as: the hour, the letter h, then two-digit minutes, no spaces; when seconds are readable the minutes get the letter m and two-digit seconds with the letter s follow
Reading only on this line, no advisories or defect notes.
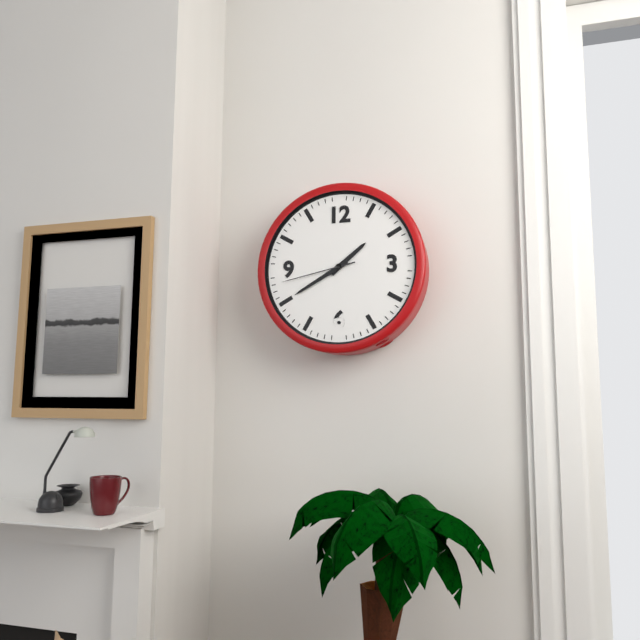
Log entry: 1h40m43s
